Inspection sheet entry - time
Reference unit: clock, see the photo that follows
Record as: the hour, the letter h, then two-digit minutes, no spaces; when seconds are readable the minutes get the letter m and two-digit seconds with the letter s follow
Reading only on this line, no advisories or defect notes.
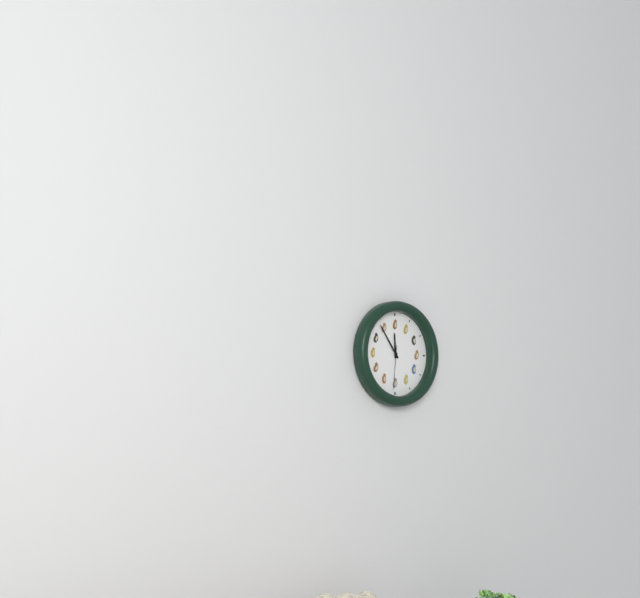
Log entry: 11h54
